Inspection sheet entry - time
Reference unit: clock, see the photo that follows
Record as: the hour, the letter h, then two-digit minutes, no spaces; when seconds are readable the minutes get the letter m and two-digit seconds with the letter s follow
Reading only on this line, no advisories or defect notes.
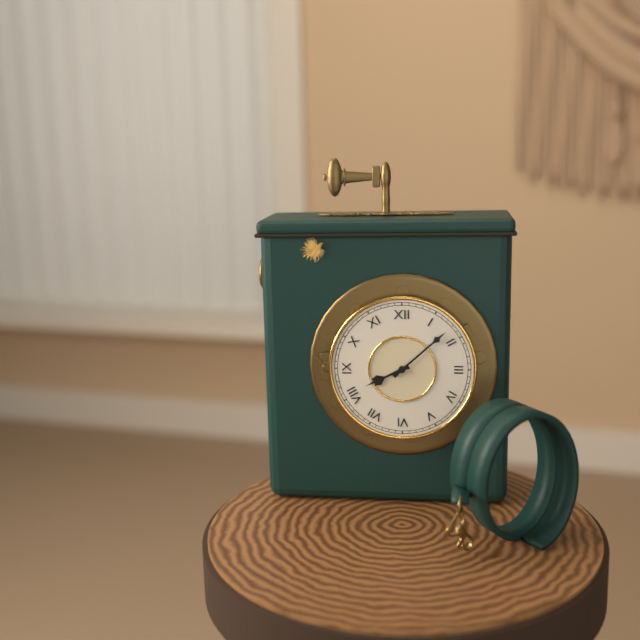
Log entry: 8h08
